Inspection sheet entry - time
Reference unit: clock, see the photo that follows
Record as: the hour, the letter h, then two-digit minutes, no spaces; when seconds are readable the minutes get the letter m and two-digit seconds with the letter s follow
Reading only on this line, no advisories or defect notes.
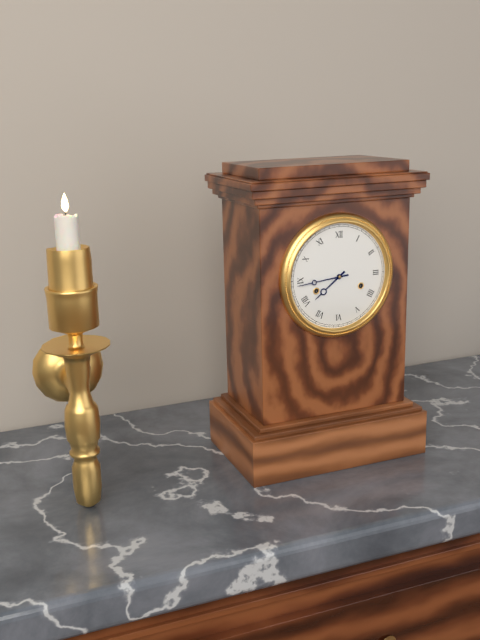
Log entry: 7h44
